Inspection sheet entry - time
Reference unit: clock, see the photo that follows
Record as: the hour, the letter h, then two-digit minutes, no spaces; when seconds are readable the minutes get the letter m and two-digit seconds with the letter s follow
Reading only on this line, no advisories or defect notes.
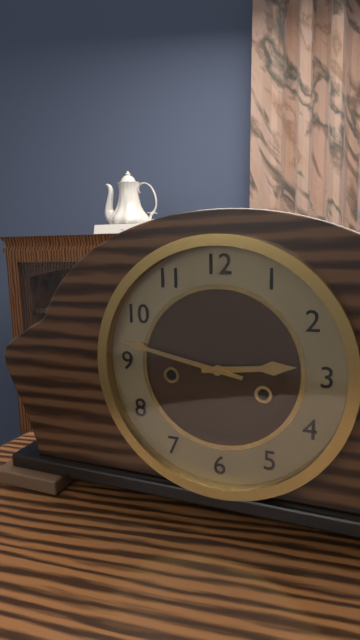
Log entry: 2h47
